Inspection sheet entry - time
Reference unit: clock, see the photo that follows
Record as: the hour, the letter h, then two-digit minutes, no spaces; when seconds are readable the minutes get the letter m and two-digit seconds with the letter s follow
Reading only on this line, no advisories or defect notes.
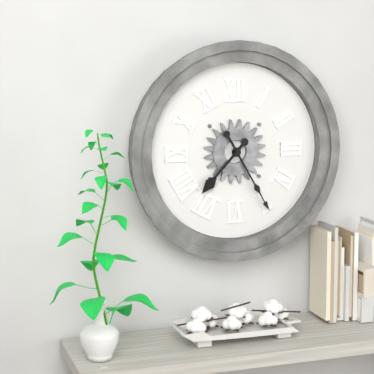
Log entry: 7h25
